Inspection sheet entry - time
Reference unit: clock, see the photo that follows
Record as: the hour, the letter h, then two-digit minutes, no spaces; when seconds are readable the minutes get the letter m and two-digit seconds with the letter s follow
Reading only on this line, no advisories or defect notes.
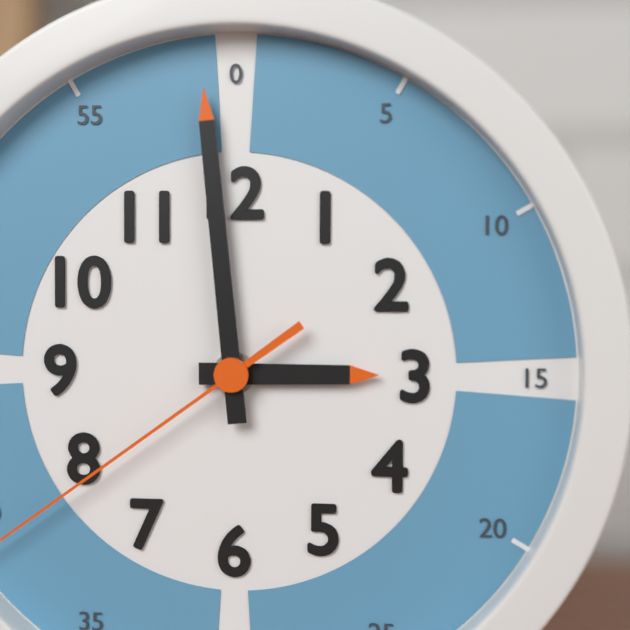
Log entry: 2h59
